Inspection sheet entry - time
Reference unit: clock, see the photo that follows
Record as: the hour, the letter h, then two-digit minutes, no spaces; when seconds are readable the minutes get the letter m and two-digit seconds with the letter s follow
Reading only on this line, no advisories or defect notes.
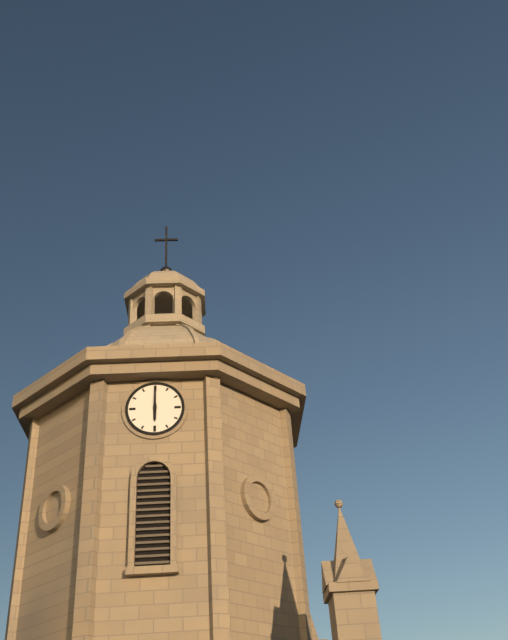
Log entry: 6h00
